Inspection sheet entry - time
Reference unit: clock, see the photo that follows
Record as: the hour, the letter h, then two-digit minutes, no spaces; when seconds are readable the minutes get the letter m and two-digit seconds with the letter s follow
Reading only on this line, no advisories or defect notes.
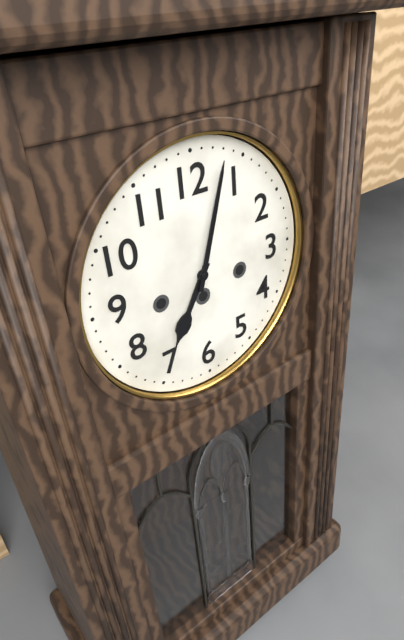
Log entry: 7h03
